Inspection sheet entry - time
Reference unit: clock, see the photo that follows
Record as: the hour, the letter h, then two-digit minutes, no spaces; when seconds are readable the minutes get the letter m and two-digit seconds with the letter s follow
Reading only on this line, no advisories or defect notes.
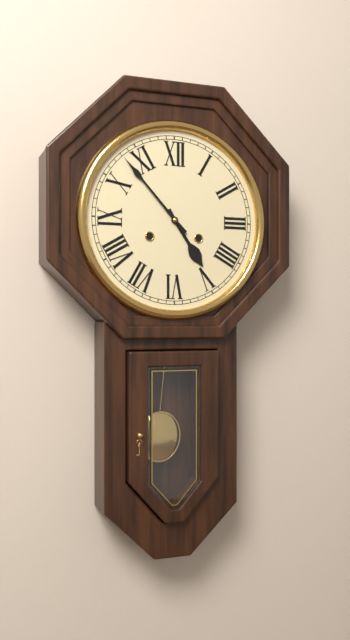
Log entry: 4h53
